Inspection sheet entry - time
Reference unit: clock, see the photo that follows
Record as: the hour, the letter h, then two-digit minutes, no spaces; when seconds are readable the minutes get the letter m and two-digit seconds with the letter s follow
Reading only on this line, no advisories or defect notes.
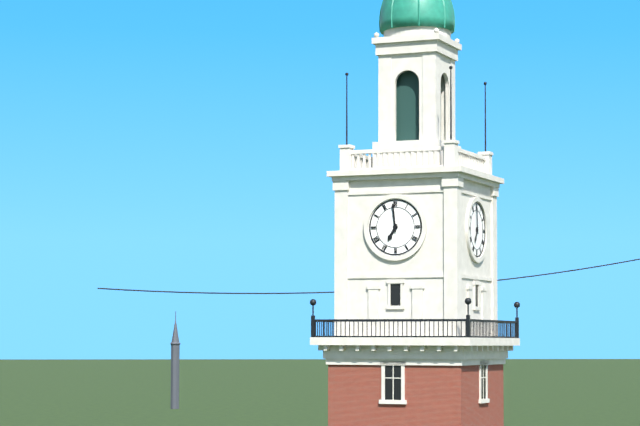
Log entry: 6h59
